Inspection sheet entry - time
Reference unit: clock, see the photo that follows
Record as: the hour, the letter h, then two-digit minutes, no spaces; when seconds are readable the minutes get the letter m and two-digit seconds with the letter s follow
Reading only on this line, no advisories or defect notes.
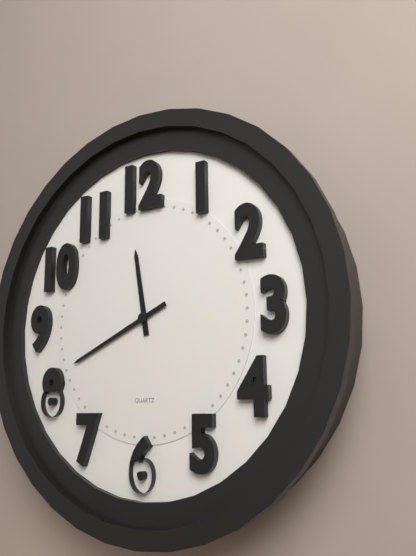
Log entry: 11h41
